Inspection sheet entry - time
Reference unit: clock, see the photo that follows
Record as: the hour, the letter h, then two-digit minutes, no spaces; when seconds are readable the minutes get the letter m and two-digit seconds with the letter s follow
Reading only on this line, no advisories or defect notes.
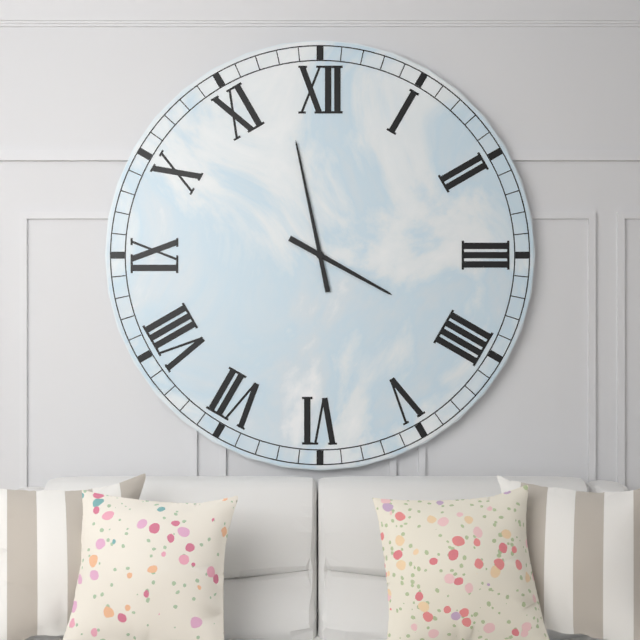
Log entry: 3h58
